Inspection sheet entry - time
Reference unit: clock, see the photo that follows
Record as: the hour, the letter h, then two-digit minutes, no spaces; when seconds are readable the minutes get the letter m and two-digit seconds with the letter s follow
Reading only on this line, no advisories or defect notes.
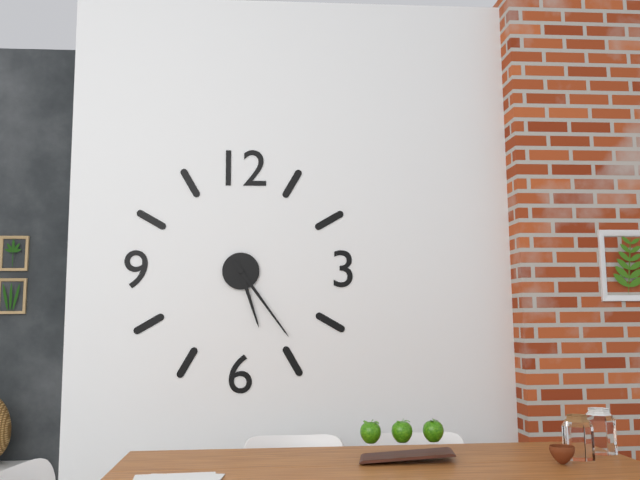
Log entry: 5h24
